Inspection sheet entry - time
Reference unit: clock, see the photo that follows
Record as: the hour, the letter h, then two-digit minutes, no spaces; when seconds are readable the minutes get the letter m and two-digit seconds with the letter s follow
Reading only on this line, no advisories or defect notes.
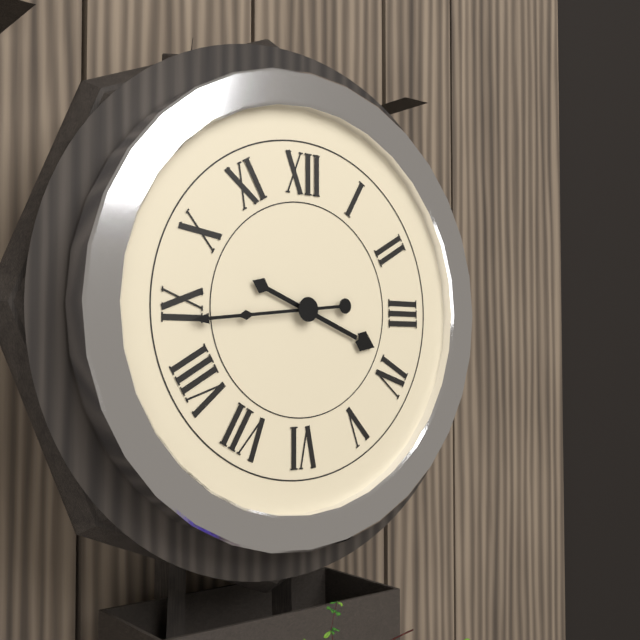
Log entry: 3h44
